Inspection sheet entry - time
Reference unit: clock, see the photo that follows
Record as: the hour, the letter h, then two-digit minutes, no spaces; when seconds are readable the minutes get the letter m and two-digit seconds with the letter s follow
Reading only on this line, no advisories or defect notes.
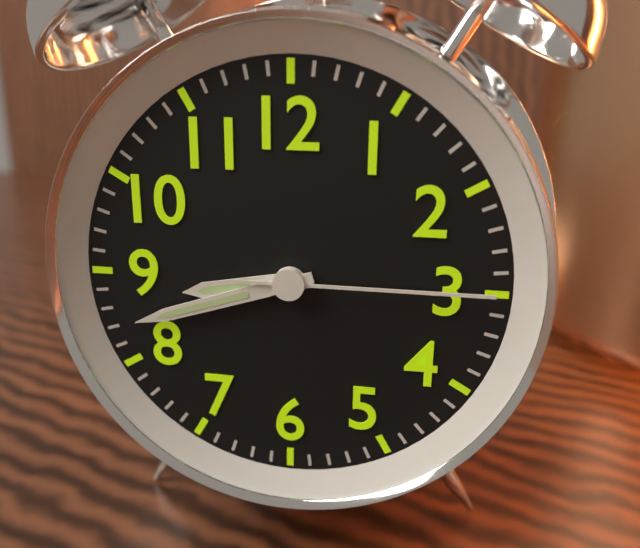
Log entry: 8h42m15s
